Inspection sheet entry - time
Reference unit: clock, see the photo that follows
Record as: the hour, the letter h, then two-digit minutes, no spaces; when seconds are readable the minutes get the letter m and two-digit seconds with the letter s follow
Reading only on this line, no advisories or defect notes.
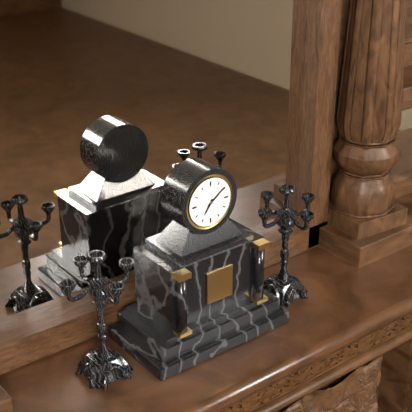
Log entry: 7h09
